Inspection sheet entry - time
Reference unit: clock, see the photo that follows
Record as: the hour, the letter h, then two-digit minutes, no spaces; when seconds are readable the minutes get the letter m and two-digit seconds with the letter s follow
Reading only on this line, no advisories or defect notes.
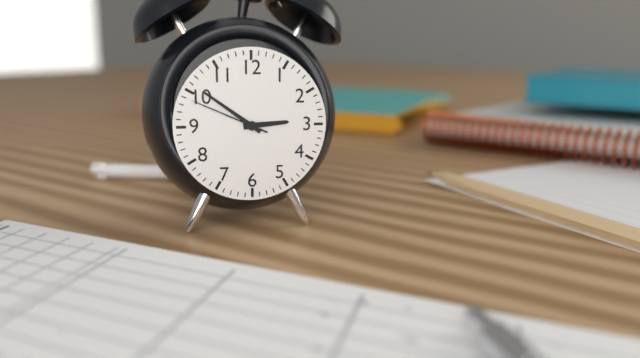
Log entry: 2h51m49s
